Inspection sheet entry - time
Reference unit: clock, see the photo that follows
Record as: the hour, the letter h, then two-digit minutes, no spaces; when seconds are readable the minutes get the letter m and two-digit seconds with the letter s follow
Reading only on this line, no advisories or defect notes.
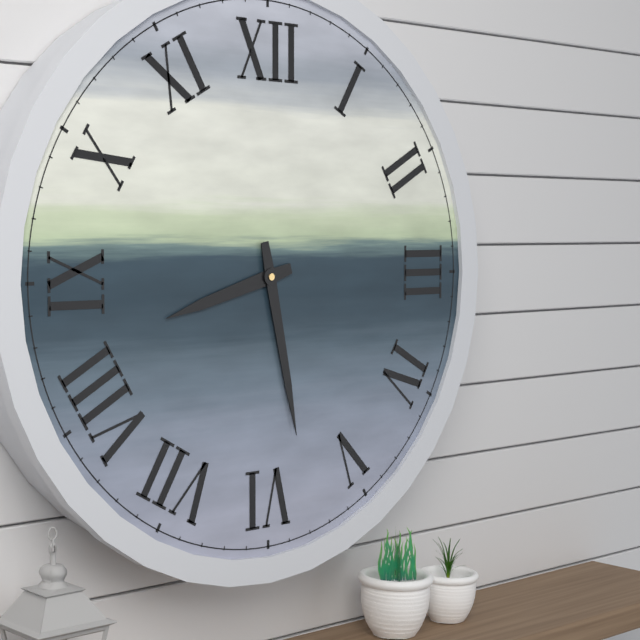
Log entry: 8h28
